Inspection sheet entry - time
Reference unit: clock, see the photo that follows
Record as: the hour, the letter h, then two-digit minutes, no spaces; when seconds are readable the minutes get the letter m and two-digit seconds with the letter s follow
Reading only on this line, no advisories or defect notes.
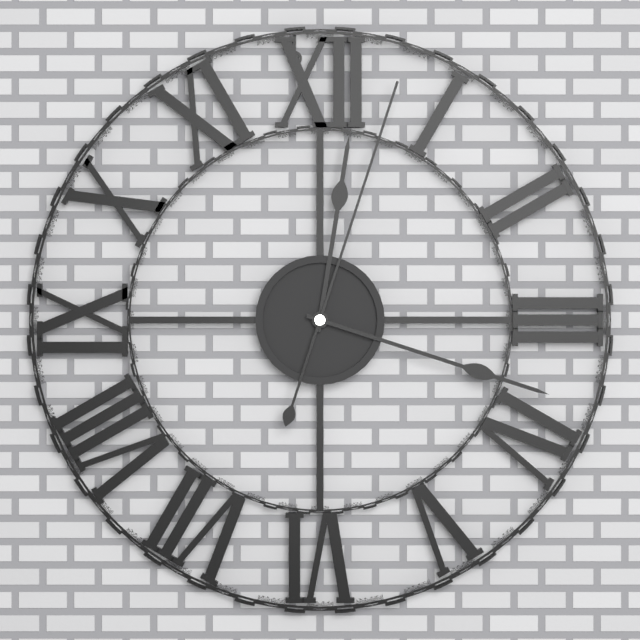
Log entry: 12h18m03s
